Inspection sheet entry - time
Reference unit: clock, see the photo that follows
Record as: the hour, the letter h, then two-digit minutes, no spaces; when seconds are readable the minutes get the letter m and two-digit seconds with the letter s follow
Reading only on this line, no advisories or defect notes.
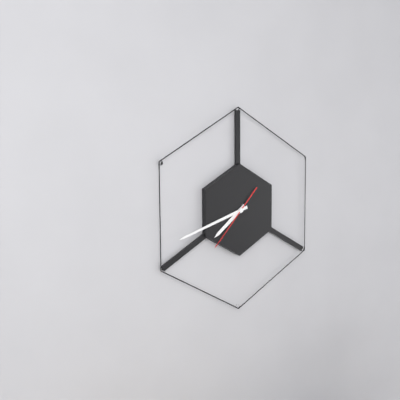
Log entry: 7h42m37s
